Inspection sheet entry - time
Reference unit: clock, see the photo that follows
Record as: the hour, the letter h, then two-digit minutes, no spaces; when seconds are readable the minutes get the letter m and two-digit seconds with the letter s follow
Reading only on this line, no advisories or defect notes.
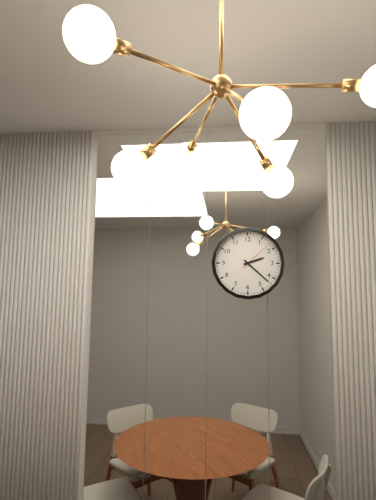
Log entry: 2h22
